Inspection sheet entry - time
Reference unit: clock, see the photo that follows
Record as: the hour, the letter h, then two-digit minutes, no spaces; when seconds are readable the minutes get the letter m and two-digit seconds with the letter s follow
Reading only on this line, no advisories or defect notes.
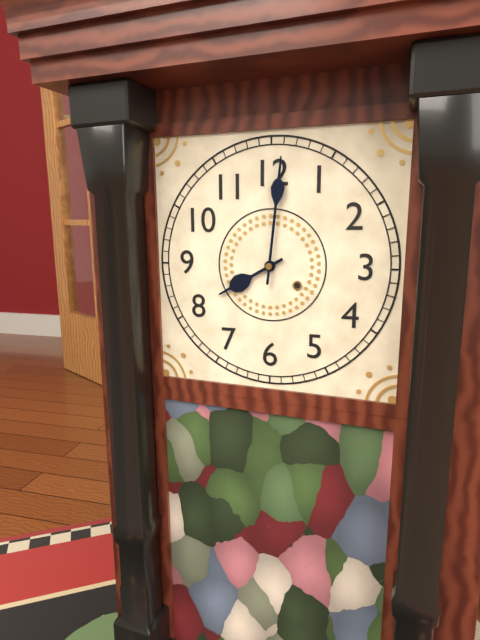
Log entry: 8h01
